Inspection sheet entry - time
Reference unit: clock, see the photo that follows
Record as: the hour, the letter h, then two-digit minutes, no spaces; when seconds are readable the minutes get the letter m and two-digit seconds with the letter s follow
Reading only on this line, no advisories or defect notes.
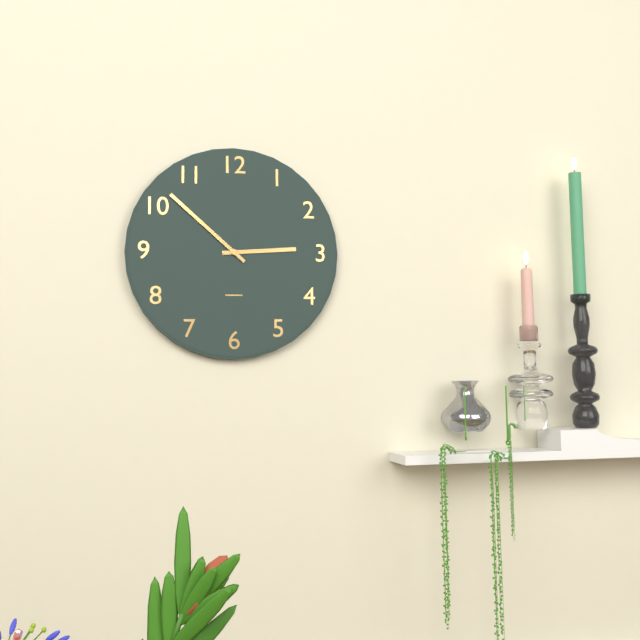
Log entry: 2h52
